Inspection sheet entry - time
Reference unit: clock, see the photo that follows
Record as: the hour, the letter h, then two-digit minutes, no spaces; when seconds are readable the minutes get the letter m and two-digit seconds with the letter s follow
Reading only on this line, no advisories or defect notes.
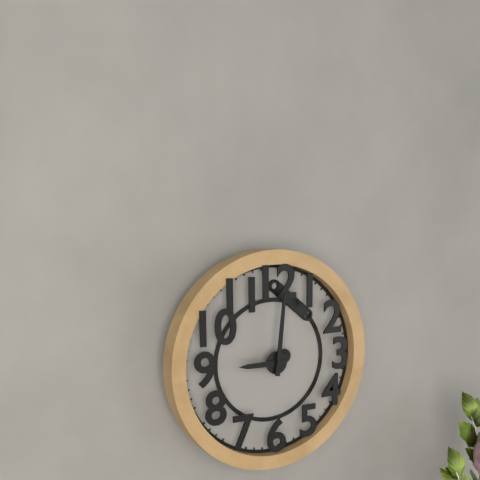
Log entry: 9h01
